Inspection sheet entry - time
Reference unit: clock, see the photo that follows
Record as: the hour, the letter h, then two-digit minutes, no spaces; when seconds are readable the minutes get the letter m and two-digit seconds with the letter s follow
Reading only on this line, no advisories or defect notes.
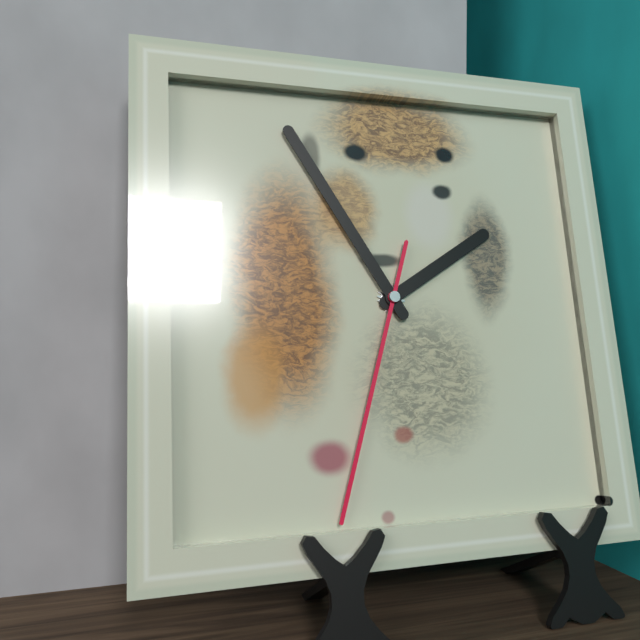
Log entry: 1h55m33s
